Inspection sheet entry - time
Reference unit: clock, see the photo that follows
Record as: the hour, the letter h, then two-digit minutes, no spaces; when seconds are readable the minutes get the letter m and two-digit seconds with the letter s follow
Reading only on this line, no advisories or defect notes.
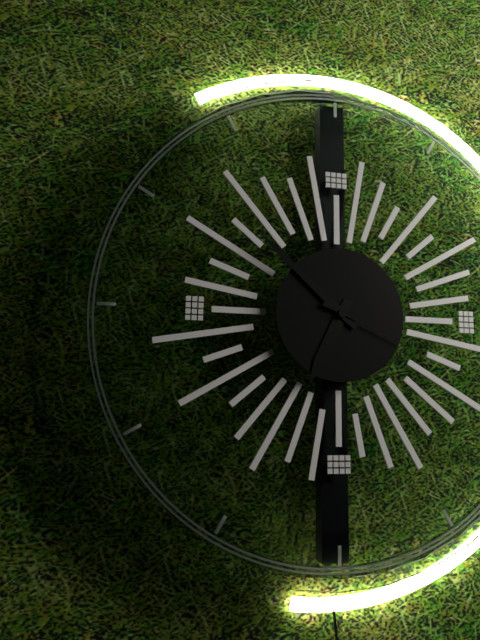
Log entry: 6h52m19s
